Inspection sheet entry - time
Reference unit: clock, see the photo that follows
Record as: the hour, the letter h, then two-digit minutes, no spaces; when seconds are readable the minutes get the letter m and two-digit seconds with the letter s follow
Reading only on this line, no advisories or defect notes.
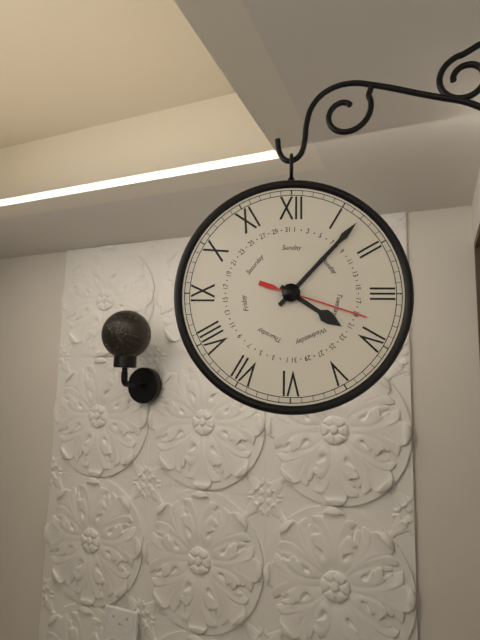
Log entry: 4h07m18s
